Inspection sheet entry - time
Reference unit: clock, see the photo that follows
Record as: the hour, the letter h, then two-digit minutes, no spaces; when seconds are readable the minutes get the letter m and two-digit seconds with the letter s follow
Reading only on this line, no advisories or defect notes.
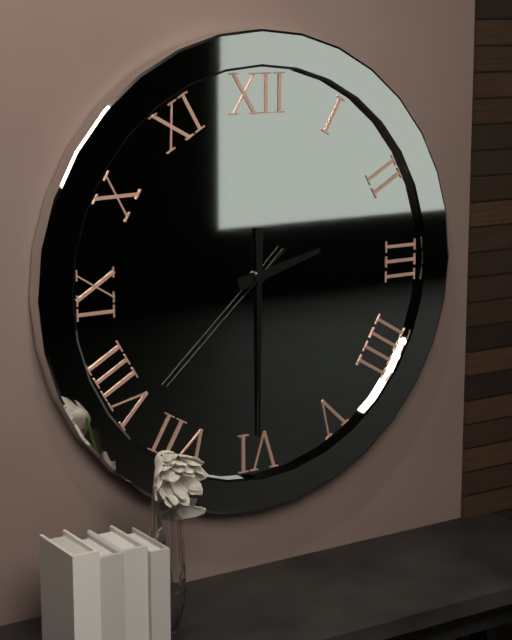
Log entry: 2h30m38s
